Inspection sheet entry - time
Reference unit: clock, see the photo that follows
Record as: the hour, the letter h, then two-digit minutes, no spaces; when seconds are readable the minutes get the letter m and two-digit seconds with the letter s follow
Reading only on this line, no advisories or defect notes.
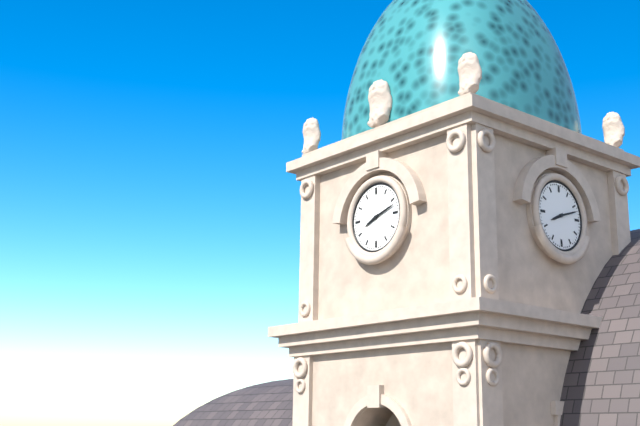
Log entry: 8h12
